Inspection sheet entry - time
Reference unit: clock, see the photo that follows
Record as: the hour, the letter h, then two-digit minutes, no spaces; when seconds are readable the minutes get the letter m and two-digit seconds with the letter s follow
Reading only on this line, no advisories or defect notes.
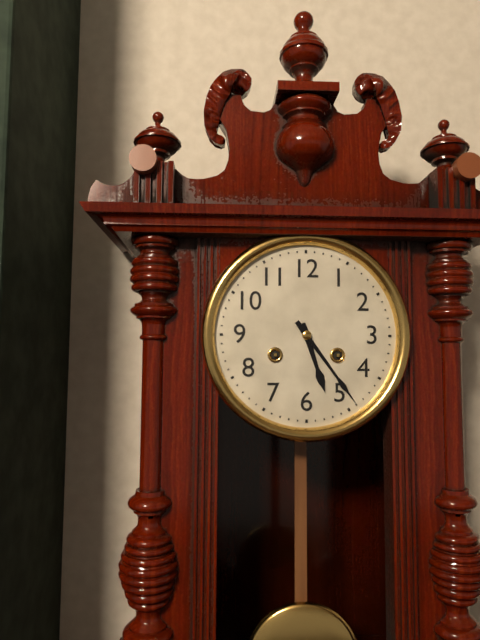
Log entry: 5h24
